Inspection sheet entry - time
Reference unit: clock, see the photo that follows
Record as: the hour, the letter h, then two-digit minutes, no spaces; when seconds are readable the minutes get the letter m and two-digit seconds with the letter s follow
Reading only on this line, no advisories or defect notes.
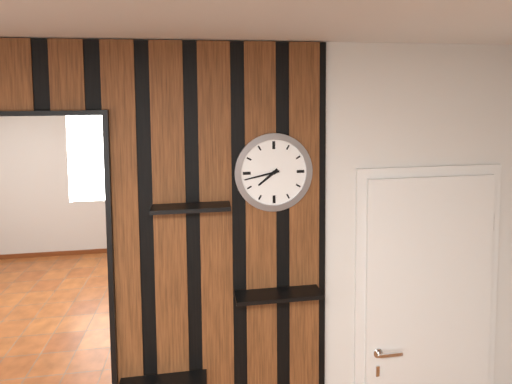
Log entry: 7h43
